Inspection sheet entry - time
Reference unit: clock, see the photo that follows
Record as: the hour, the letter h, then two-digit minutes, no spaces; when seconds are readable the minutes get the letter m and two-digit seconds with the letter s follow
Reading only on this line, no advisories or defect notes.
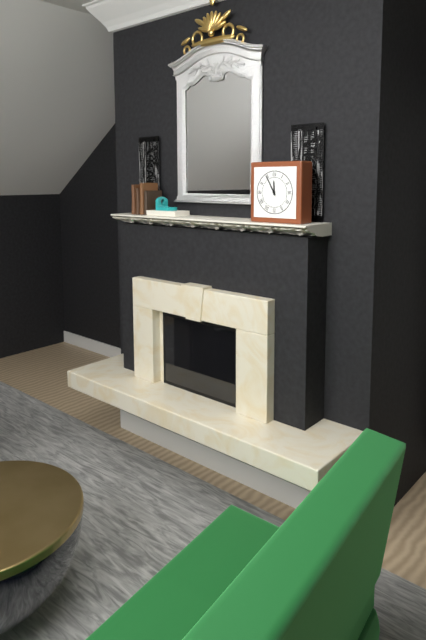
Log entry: 11h55
